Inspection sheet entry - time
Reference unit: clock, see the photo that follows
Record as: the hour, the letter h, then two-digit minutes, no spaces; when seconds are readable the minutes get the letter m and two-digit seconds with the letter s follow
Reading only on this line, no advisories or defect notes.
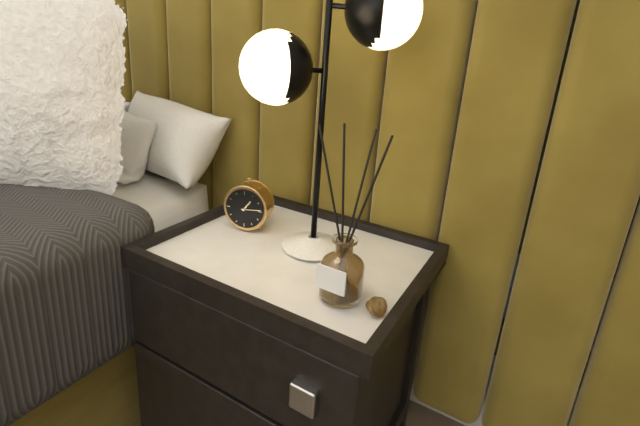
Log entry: 1h14
